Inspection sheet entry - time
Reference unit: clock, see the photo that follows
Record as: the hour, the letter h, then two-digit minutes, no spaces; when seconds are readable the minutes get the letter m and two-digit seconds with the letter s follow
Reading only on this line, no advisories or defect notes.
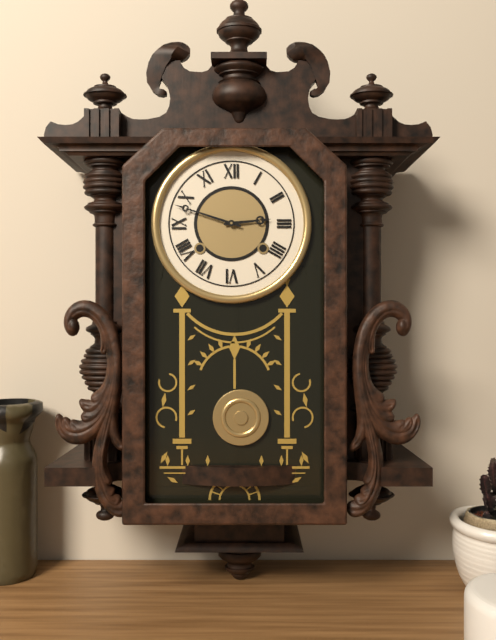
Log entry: 2h48
